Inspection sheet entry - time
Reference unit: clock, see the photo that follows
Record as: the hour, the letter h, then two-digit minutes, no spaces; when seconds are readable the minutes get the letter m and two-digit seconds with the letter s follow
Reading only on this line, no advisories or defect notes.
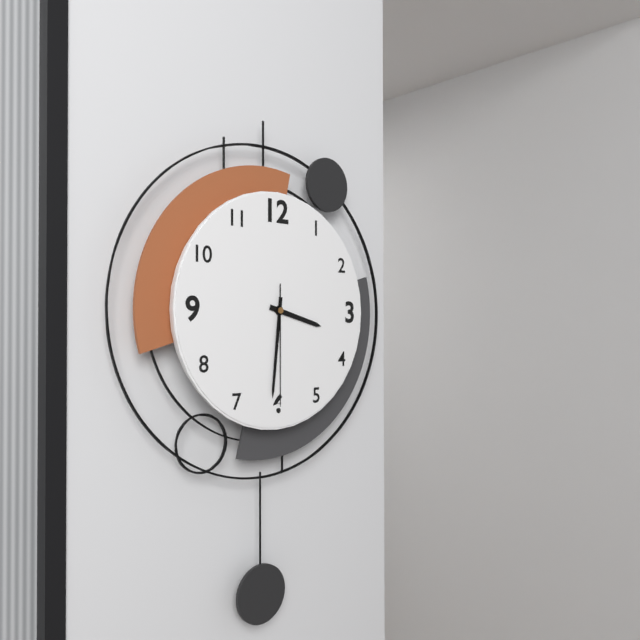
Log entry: 3h31m30s
